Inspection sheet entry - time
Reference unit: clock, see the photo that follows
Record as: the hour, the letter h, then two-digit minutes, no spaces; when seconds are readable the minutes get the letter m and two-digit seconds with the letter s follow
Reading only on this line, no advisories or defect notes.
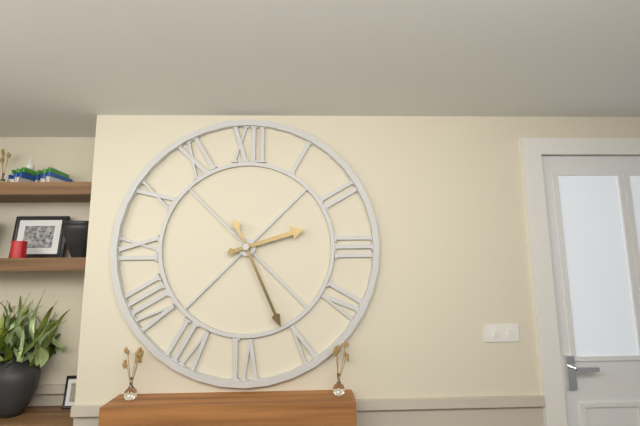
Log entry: 2h26
